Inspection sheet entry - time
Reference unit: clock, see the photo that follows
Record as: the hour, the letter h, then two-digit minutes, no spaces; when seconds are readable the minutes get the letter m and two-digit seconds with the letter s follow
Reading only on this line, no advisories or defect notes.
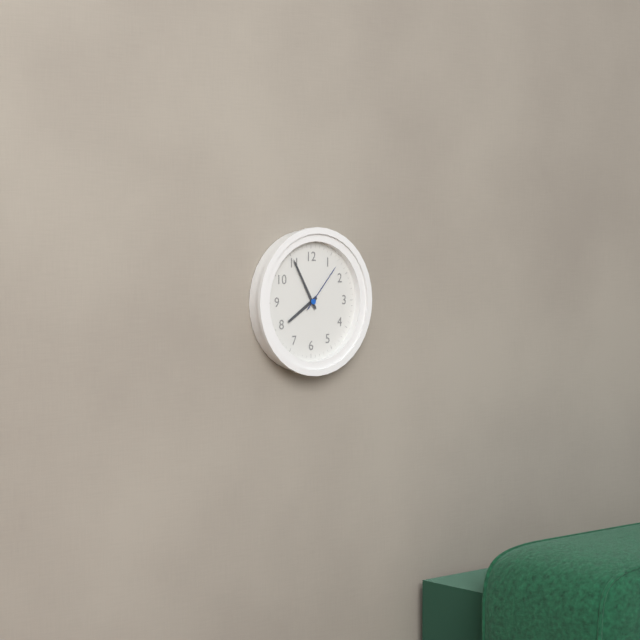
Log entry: 7h55m07s
